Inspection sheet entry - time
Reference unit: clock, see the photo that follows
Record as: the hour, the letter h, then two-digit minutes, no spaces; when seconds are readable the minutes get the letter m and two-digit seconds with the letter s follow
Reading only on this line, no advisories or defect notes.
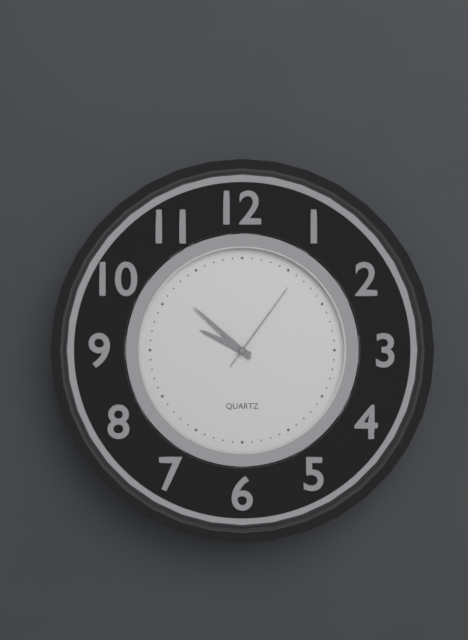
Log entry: 9h52m06s
